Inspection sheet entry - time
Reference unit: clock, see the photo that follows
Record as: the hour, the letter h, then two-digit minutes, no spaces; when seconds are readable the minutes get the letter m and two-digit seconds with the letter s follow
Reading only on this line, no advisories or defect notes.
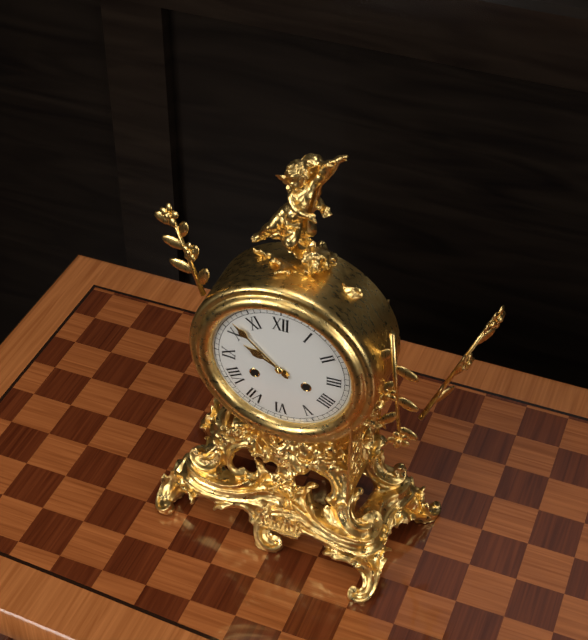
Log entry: 9h52
